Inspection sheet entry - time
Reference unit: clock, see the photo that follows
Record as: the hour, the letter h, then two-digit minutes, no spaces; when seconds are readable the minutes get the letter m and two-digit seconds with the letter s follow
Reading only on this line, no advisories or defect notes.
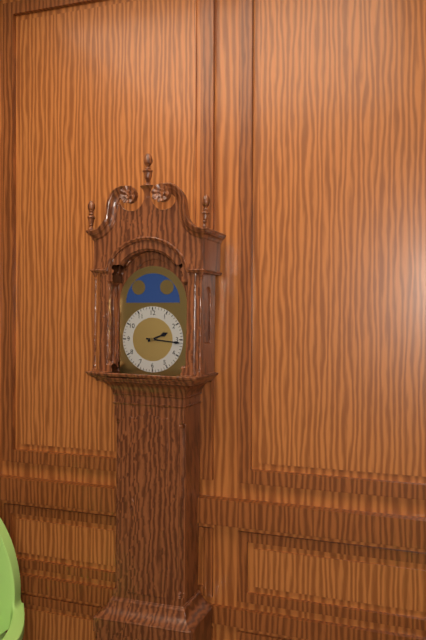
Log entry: 2h16
